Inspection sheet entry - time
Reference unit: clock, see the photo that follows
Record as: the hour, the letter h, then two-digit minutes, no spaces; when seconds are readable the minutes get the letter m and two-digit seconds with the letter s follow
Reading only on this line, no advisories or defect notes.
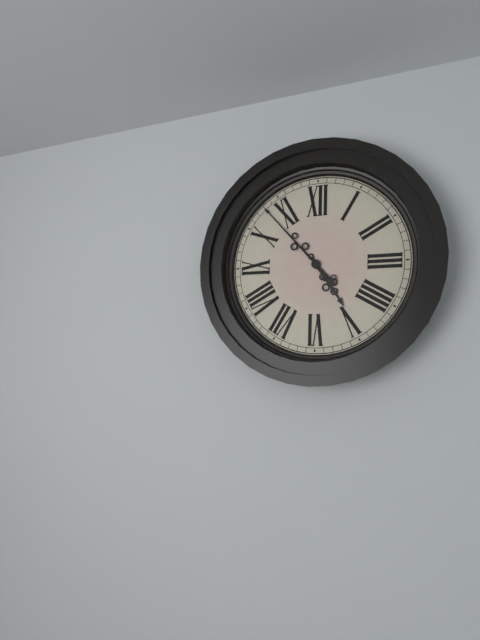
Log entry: 4h53
